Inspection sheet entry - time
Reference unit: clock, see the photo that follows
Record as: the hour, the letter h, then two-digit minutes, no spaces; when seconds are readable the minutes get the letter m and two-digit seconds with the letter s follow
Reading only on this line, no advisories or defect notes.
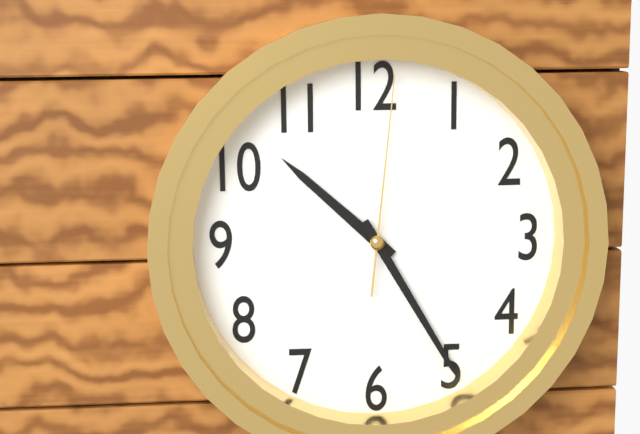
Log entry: 10h25m01s
